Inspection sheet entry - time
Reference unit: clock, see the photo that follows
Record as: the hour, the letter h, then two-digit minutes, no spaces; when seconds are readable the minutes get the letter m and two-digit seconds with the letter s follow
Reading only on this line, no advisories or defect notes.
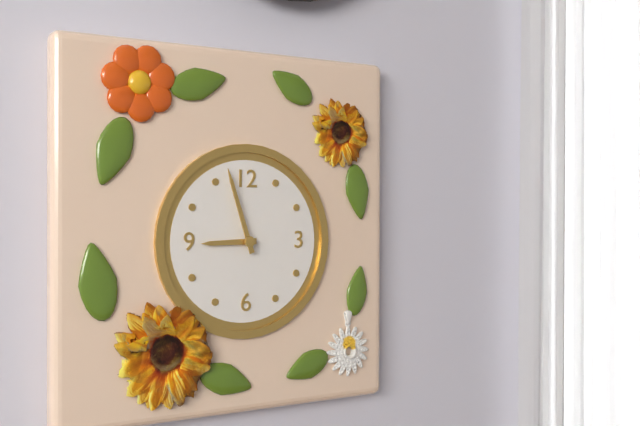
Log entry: 8h57
